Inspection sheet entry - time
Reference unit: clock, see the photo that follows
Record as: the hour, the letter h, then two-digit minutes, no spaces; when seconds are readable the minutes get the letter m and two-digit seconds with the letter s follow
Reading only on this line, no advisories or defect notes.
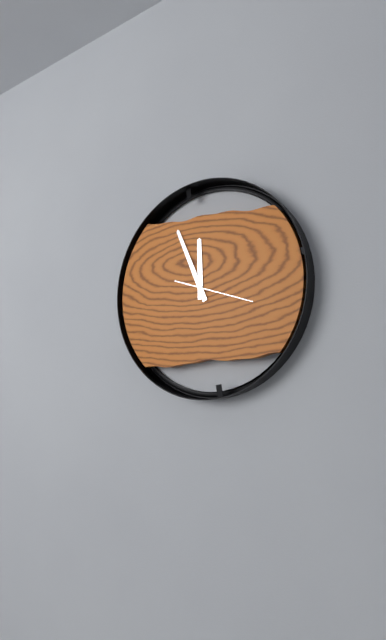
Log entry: 11h56m18s
